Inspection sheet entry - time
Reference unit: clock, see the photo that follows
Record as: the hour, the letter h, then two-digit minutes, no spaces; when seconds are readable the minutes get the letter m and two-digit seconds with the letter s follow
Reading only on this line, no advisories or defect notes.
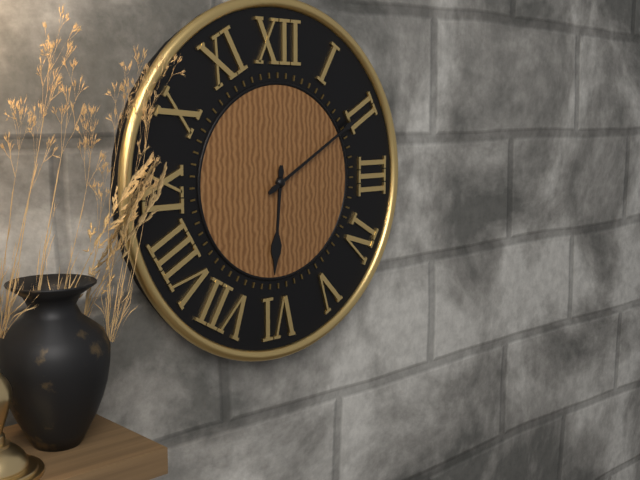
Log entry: 6h10
